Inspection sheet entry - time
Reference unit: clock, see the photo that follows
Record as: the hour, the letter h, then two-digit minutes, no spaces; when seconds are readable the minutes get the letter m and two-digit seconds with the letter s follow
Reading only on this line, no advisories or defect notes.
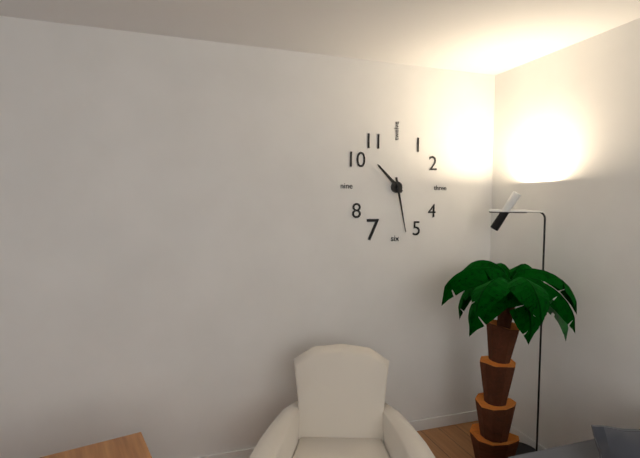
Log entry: 10h28
